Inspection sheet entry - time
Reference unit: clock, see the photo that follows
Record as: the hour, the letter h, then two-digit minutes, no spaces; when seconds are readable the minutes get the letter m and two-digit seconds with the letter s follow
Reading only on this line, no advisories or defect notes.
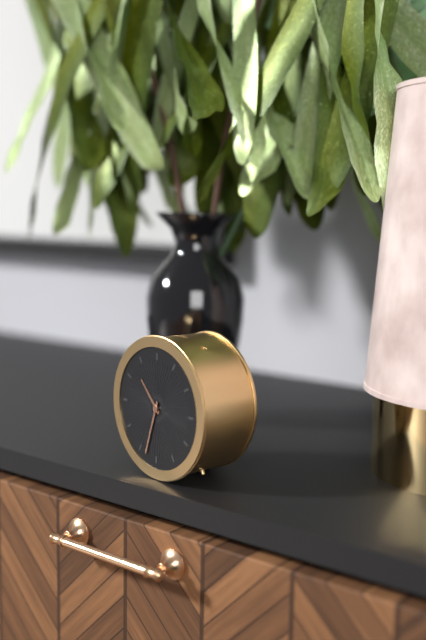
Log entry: 10h33
